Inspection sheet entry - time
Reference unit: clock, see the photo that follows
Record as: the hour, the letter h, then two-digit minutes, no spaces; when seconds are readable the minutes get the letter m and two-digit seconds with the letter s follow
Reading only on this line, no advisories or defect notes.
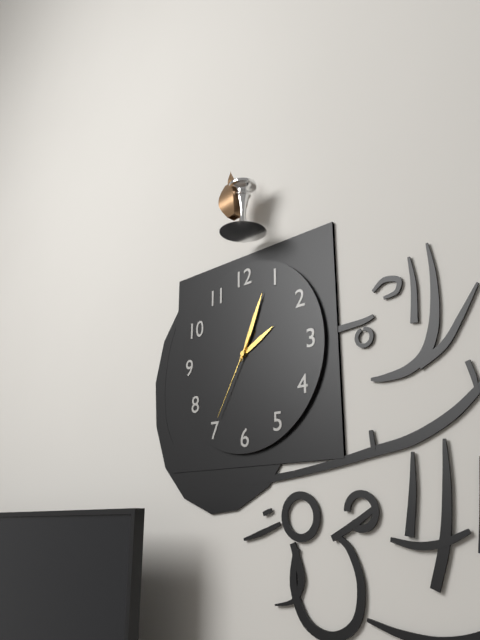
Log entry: 2h04m35s
